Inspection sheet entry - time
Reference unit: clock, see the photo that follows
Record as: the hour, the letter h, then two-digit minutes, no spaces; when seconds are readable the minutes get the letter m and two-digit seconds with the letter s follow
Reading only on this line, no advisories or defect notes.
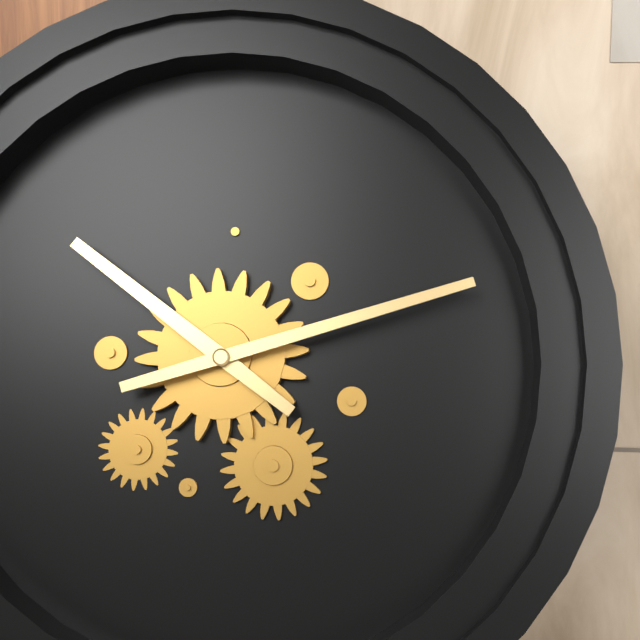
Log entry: 10h12
